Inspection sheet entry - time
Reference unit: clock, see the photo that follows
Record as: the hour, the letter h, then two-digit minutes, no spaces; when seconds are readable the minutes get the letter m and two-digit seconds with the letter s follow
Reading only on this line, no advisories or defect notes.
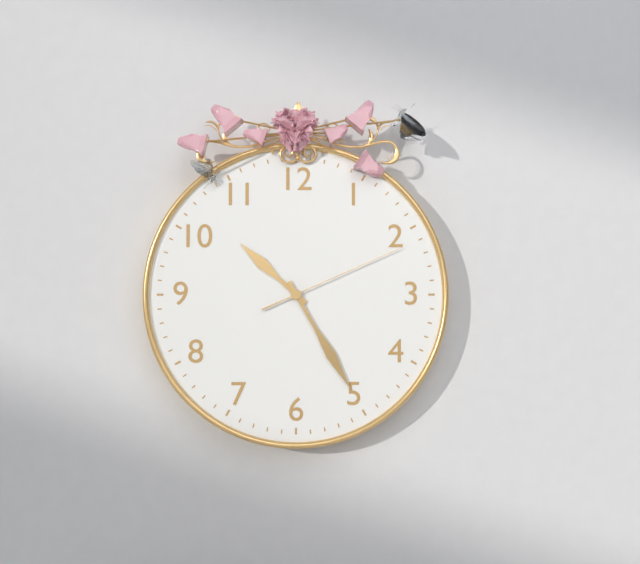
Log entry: 10h25m11s
